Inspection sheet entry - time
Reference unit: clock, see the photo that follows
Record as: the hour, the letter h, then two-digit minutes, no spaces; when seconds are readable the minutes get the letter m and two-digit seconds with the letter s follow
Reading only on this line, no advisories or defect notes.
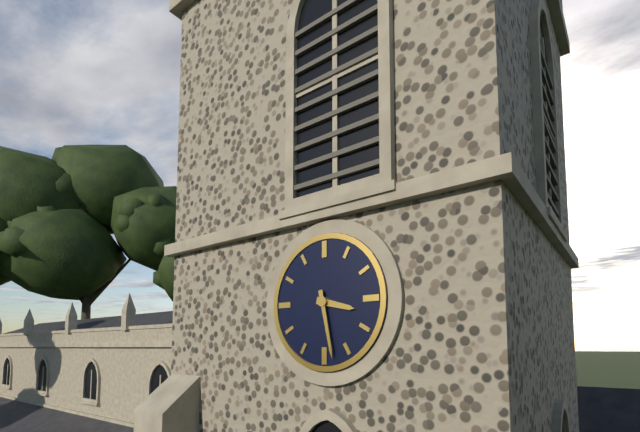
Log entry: 3h28
